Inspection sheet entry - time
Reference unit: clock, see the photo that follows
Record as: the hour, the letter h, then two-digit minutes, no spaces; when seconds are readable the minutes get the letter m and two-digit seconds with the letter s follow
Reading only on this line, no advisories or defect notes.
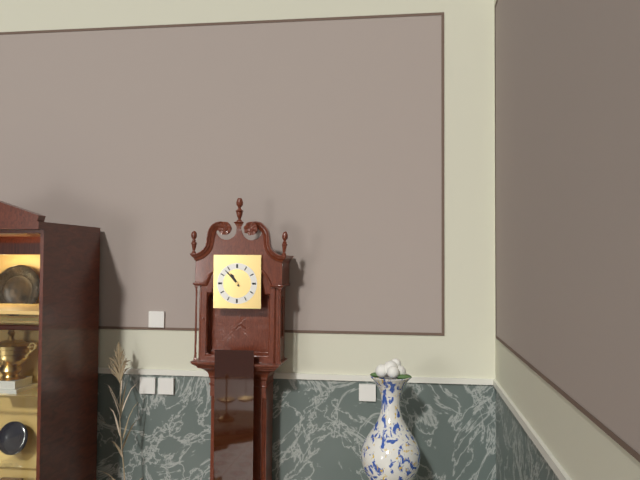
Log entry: 10h53
